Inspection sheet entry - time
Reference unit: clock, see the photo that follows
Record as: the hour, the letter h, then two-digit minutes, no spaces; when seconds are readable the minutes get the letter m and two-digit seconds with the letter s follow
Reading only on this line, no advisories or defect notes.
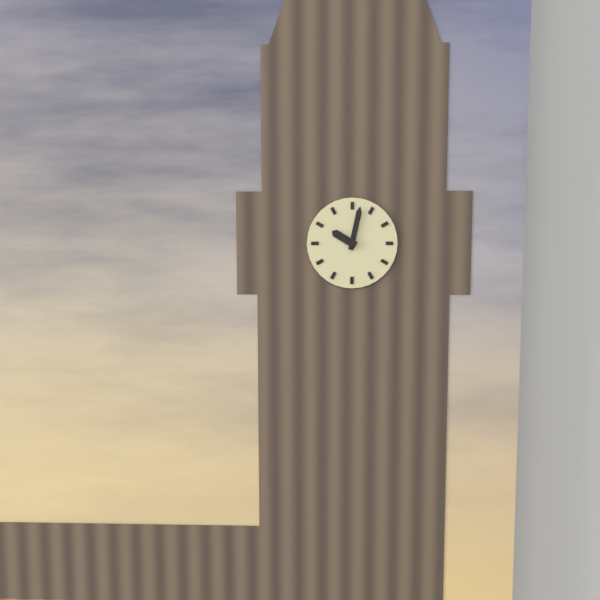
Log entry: 10h02
